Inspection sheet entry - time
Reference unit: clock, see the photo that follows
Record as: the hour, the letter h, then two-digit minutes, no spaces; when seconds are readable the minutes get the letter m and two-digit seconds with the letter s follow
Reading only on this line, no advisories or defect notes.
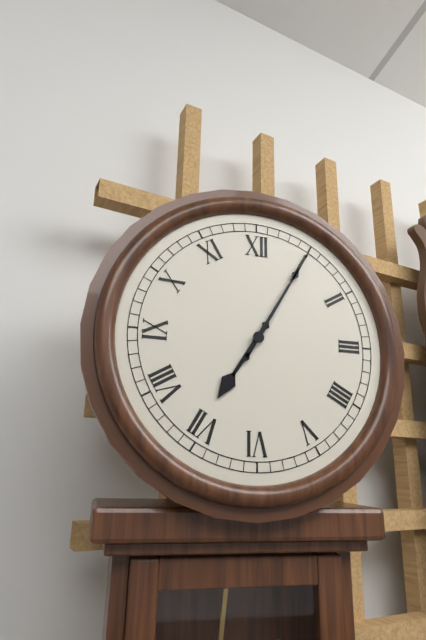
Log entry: 7h05
